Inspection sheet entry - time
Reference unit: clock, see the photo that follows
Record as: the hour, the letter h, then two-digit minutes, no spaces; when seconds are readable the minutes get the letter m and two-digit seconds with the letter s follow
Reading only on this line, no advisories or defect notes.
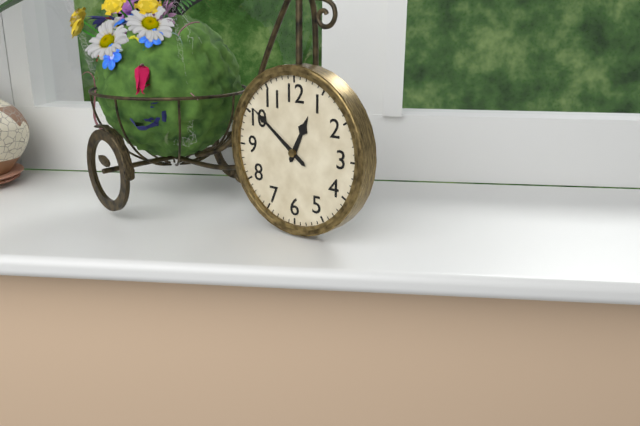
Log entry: 12h51
